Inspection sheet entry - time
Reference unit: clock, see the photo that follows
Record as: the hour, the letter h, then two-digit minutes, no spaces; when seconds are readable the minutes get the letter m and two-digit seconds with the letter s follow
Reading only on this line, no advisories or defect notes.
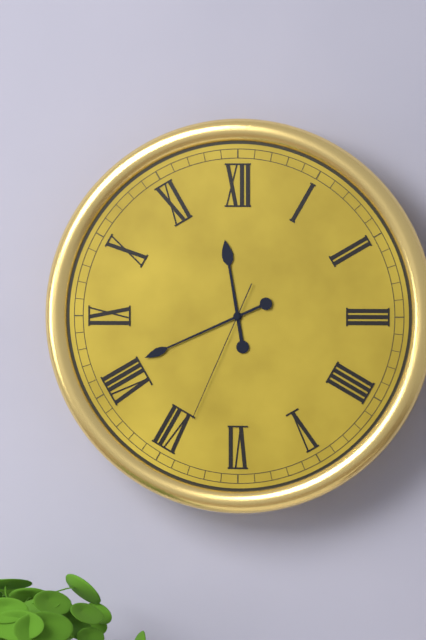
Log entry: 11h41m34s
